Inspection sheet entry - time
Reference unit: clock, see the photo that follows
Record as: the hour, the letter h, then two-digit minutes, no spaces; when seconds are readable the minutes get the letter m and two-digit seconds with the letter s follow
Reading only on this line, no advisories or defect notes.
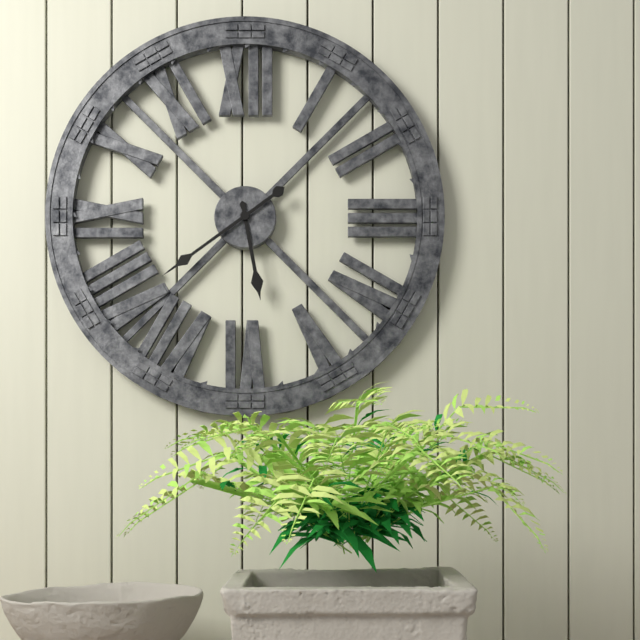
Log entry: 5h39
